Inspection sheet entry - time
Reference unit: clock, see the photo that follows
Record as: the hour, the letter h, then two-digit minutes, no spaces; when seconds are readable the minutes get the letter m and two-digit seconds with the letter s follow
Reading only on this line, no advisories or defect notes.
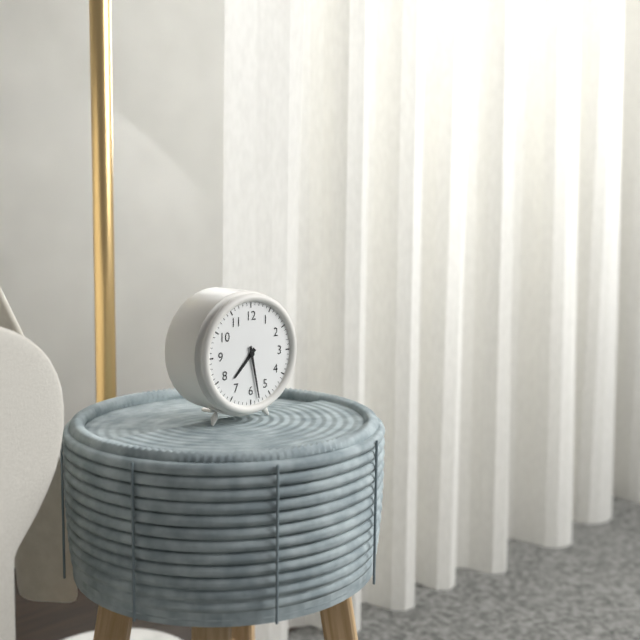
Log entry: 7h28
